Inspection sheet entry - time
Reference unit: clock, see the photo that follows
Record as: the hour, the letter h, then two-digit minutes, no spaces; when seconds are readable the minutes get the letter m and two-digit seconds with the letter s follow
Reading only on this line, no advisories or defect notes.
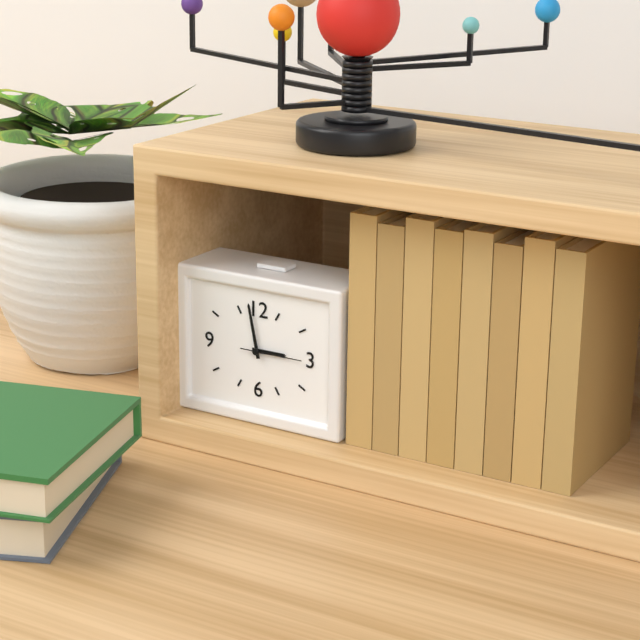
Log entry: 2h58m15s
